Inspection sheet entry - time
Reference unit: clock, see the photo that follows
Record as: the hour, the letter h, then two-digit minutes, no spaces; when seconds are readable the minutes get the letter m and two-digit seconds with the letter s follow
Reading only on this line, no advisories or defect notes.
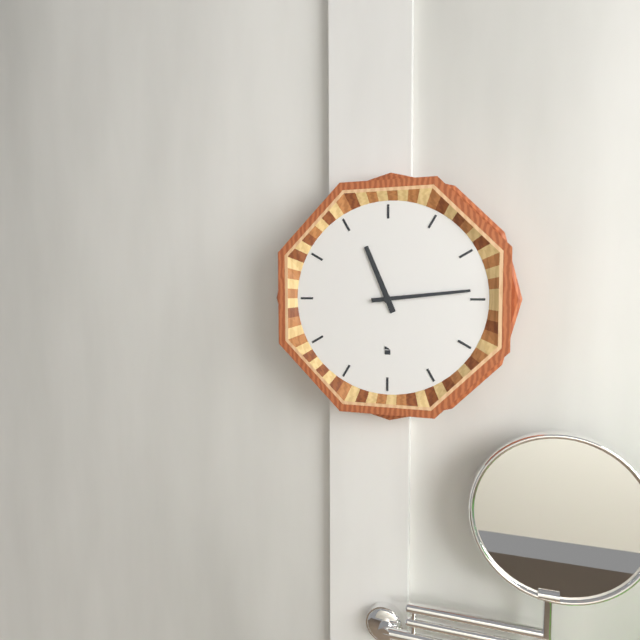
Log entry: 11h14
